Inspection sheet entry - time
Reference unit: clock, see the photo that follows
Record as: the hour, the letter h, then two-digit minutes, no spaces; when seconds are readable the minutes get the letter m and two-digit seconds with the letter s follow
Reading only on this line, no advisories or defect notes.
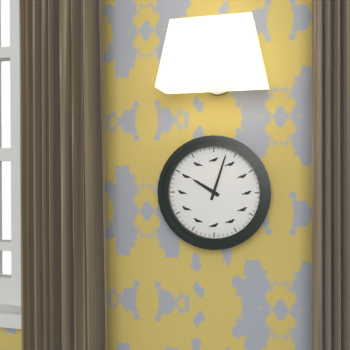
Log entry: 10h03
